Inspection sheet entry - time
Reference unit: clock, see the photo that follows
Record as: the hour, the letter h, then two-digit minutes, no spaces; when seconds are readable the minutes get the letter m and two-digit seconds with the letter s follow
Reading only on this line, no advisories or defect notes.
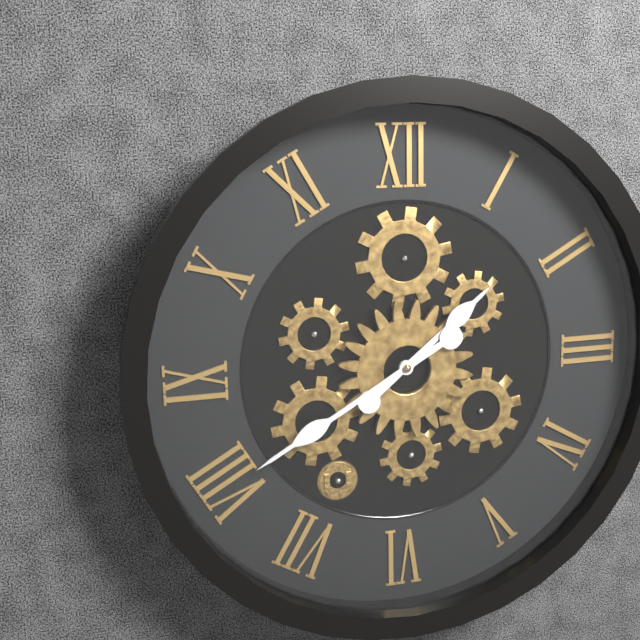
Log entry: 1h40
